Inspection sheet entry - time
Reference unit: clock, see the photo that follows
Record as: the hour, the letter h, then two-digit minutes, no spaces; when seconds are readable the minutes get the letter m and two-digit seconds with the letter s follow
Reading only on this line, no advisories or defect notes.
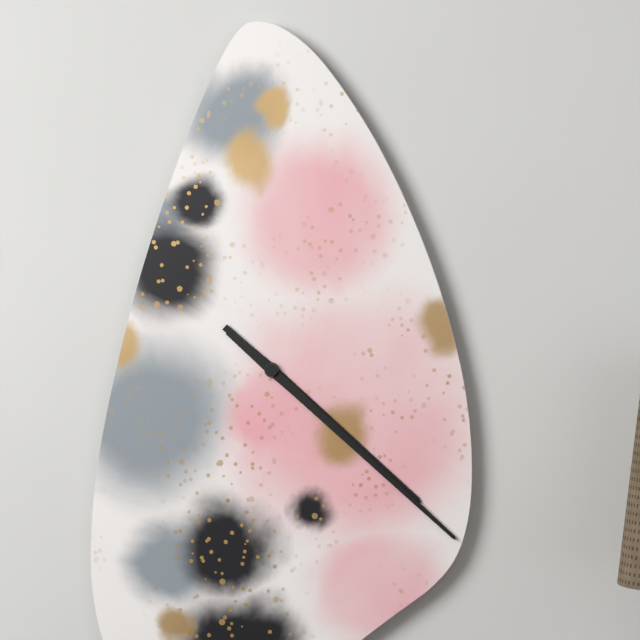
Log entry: 4h22
